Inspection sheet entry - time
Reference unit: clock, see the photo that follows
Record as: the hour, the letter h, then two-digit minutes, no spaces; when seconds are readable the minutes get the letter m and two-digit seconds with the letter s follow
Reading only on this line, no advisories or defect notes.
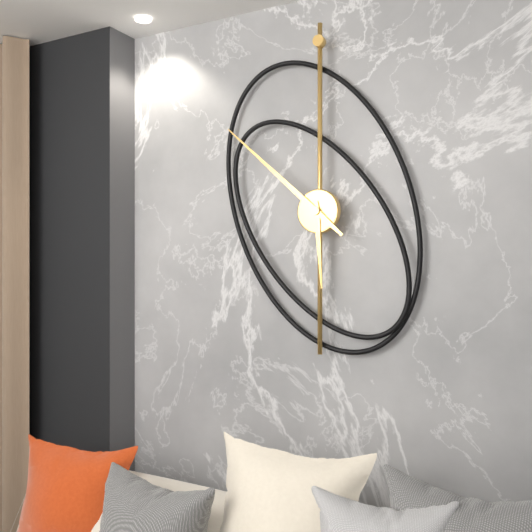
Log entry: 5h52
